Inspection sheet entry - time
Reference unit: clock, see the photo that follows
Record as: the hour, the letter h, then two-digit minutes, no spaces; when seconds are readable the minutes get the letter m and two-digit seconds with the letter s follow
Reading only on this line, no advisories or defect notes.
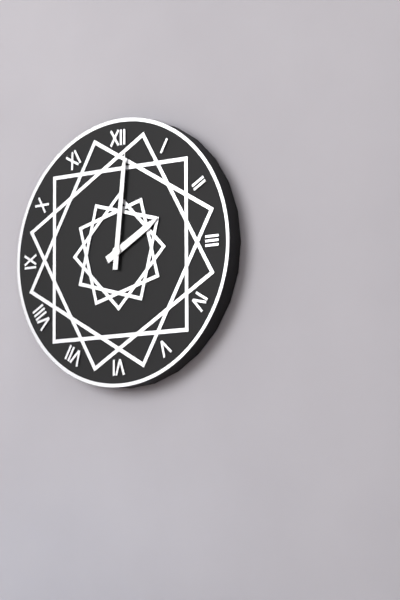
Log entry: 2h01
